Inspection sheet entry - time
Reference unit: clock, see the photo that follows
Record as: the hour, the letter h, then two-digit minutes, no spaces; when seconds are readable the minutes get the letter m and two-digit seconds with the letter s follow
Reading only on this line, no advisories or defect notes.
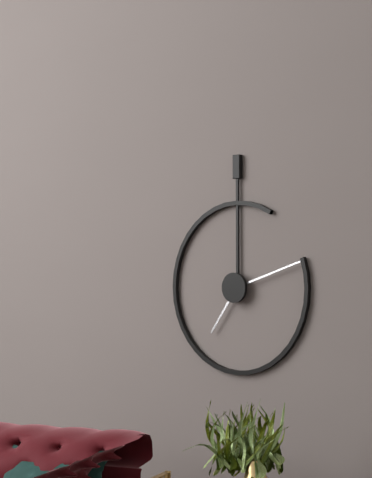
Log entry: 7h12
